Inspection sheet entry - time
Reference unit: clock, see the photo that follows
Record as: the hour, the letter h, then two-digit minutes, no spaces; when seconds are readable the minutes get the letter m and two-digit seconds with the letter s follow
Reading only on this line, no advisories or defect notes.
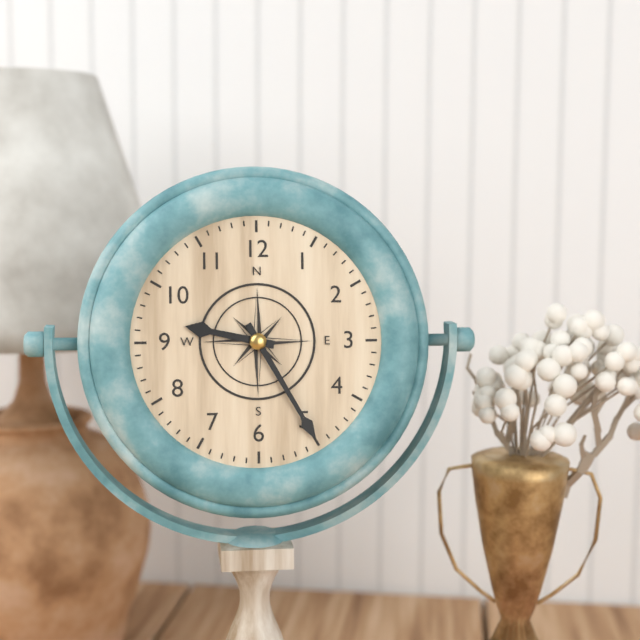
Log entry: 9h25
